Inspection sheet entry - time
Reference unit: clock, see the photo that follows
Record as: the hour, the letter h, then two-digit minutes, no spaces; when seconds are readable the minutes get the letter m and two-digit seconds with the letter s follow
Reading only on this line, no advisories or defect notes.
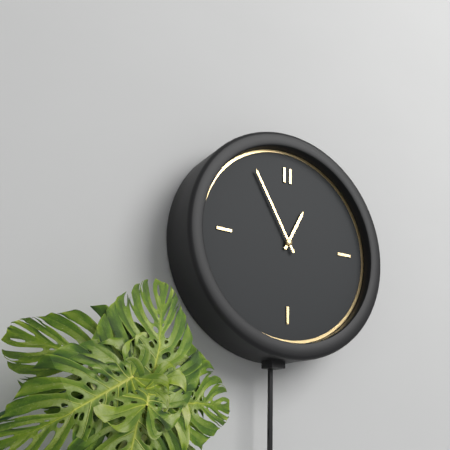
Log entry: 12h55
